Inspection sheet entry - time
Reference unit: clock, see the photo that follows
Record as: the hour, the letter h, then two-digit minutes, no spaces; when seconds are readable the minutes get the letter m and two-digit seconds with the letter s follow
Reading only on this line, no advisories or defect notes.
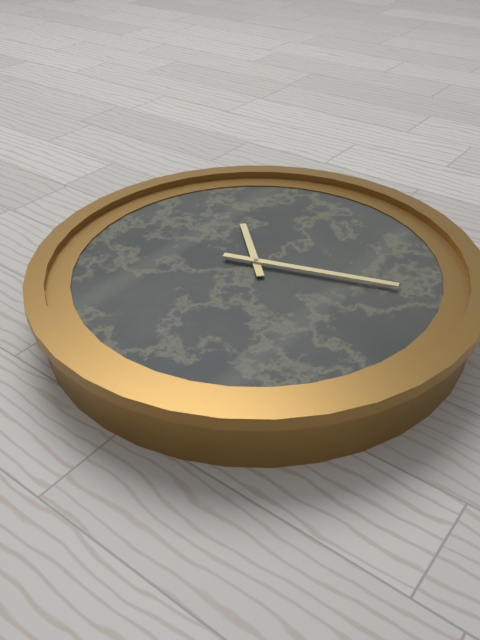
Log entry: 1h27
